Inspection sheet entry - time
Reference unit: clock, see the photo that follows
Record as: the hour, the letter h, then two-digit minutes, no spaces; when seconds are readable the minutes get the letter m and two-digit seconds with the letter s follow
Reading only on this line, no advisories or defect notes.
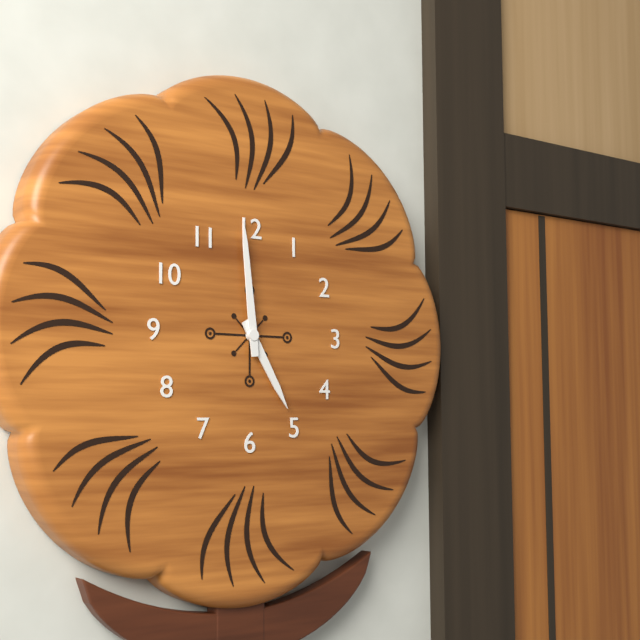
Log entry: 4h59
